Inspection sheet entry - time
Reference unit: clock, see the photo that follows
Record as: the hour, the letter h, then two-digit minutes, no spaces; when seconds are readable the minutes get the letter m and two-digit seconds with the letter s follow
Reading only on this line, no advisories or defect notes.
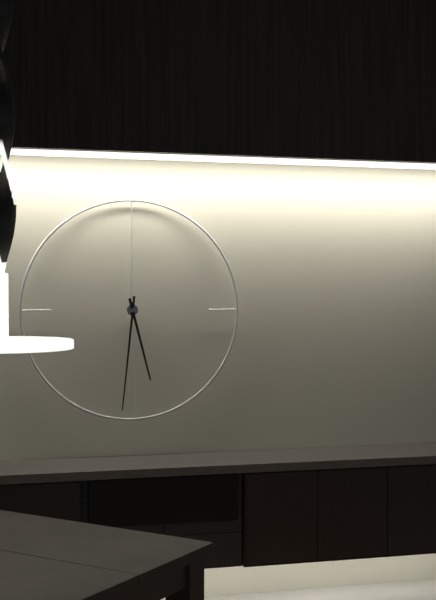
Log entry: 5h31
